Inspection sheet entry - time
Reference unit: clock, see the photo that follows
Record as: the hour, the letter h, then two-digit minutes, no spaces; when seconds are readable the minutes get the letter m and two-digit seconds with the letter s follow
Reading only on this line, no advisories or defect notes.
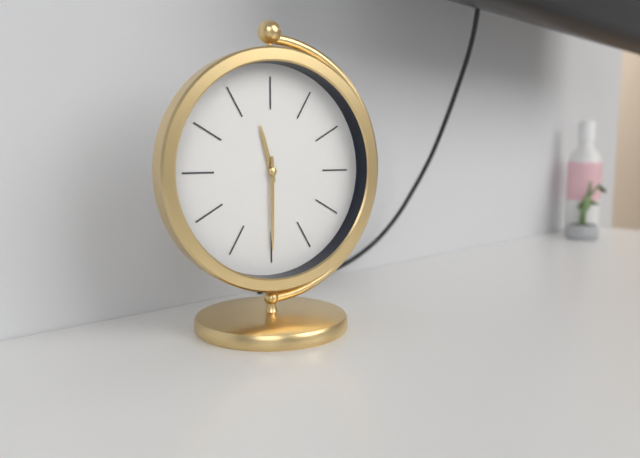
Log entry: 11h30
